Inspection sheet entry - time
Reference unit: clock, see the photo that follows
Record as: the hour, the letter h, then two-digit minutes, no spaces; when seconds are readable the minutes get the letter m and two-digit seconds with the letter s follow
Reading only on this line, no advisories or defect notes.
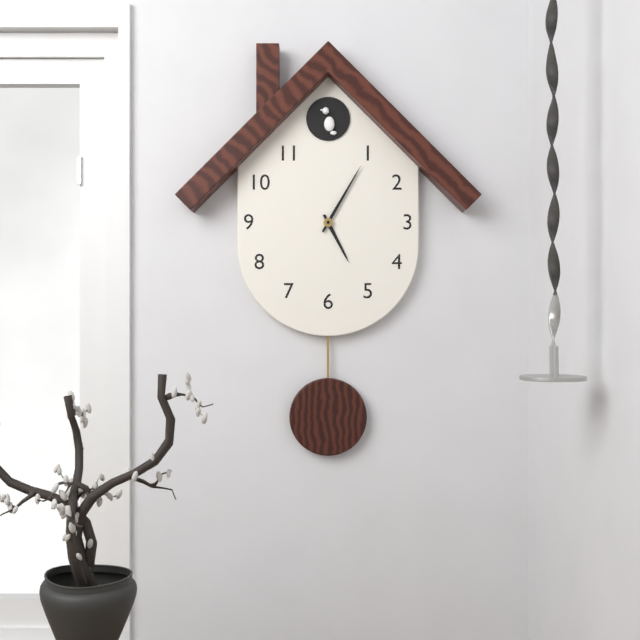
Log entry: 5h05
